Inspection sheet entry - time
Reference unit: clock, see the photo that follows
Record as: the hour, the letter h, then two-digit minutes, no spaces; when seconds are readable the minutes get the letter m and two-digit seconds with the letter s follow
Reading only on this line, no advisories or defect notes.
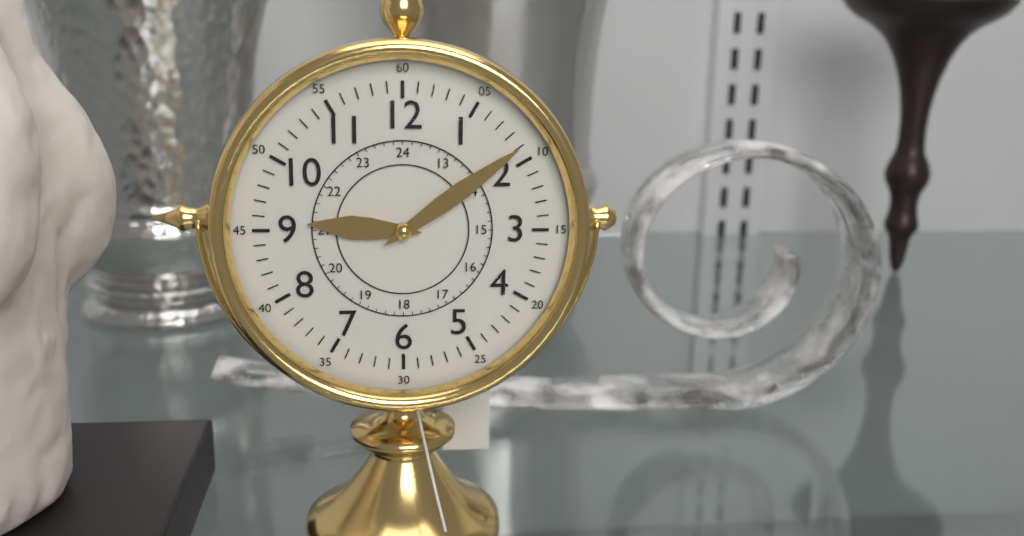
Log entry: 9h09
